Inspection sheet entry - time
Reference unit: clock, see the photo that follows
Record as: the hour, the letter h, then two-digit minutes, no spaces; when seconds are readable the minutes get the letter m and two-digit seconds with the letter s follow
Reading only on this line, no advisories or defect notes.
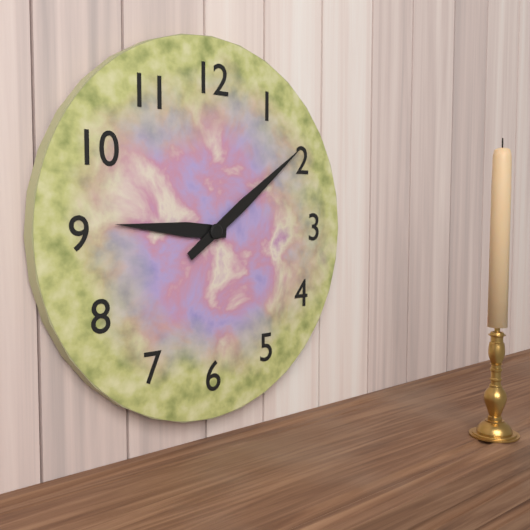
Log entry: 9h09
